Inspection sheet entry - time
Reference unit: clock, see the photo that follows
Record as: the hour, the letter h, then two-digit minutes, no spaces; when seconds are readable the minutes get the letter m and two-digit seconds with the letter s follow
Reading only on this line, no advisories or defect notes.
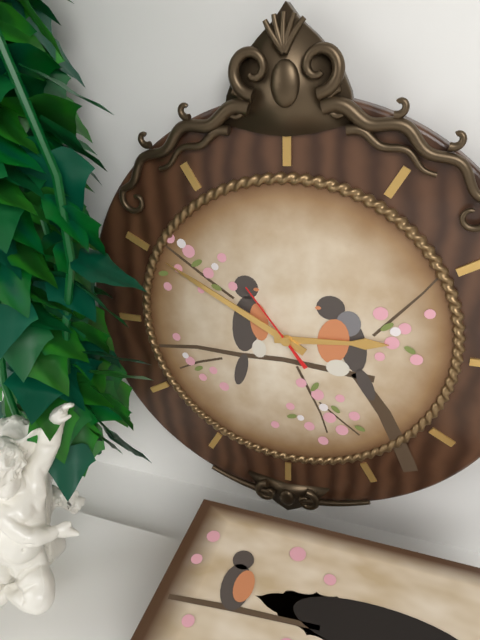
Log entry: 2h50m54s
